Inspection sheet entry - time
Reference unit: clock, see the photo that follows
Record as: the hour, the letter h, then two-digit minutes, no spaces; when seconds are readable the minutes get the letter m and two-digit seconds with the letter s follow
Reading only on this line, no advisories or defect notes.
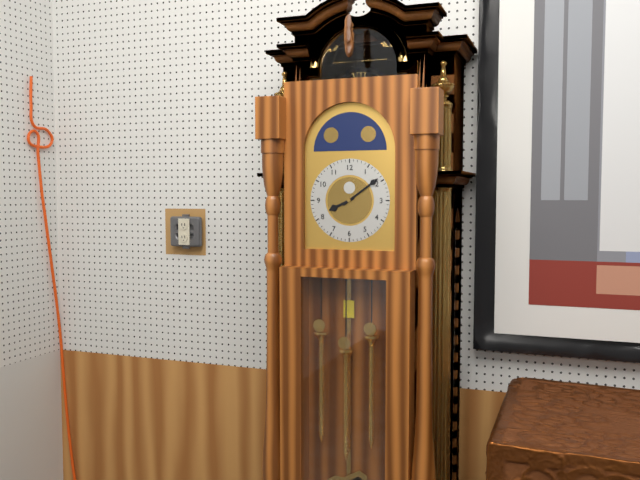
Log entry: 8h09
